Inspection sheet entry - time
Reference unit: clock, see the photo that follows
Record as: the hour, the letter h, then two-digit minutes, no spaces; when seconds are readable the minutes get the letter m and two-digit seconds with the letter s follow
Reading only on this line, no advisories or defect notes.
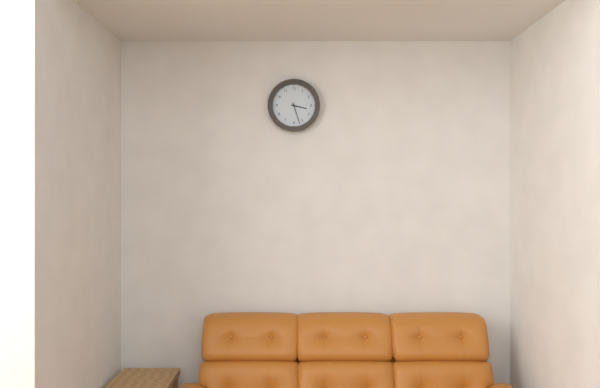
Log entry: 3h27
